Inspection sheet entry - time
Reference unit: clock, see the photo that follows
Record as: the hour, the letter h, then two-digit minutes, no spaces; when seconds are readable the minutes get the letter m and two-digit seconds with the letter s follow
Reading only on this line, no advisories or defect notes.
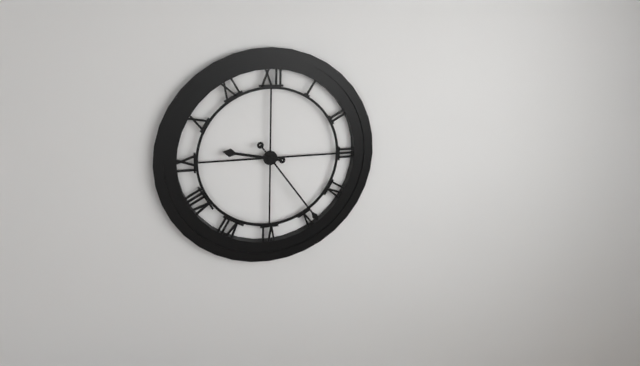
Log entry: 9h24
